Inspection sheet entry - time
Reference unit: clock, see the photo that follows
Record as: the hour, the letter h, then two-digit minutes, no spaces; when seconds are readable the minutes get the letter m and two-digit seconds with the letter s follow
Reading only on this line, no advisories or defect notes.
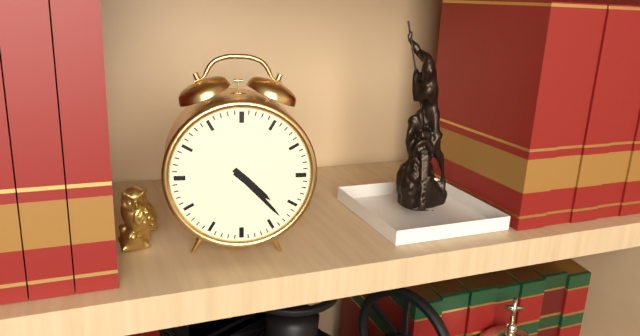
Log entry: 4h23
